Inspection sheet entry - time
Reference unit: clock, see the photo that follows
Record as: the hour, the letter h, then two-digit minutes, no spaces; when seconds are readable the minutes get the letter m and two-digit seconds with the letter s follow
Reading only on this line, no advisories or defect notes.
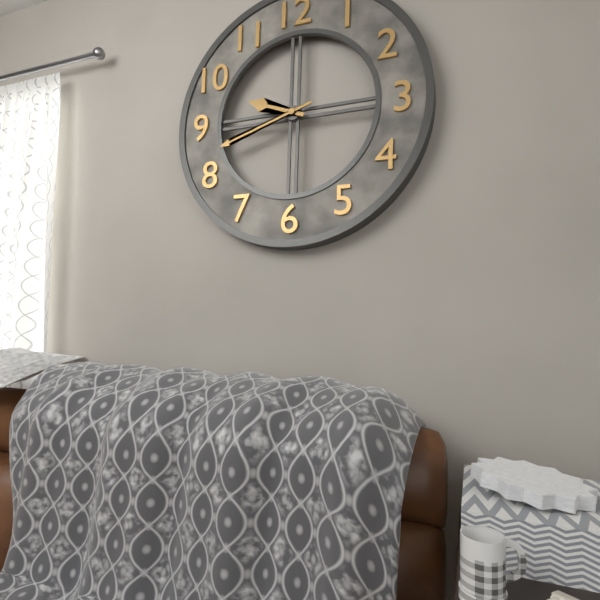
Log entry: 9h42
